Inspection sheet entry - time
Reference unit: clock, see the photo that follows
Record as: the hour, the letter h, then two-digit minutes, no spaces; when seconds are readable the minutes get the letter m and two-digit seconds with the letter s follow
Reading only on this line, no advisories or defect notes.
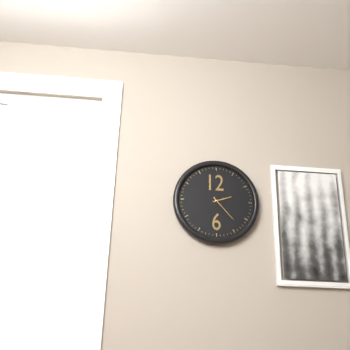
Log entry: 2h23
